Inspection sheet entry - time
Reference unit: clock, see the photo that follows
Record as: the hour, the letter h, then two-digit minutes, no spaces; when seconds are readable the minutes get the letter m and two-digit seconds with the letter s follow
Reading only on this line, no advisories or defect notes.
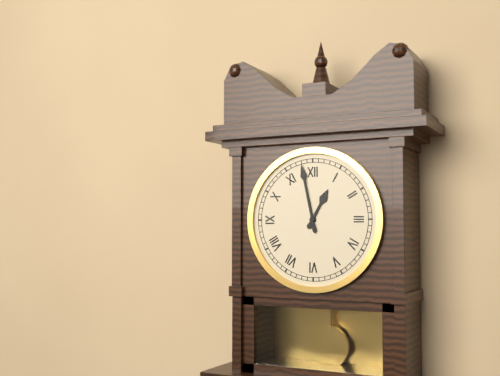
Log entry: 12h58
